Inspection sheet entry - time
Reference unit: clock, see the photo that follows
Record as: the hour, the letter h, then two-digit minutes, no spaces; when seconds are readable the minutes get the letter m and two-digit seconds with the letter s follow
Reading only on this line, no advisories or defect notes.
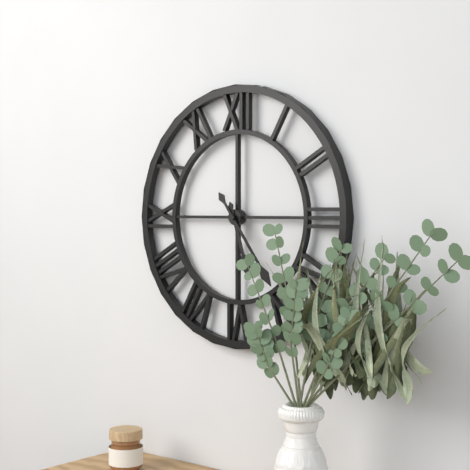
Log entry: 5h24
